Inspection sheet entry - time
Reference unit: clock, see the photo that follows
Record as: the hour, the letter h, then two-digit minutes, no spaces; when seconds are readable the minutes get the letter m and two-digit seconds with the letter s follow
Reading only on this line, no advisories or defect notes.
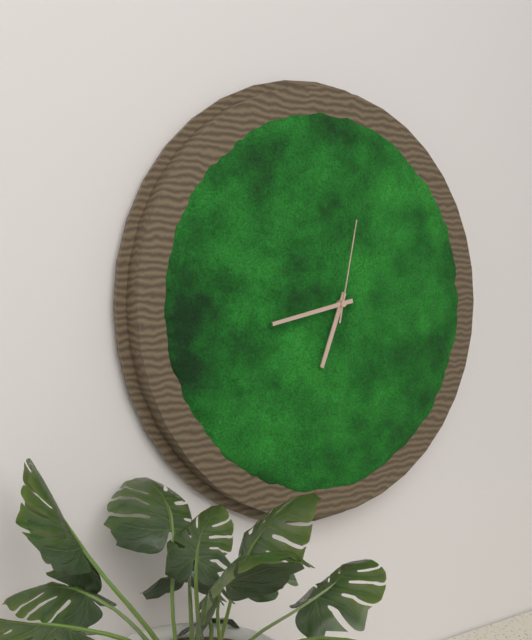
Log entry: 6h43m02s
